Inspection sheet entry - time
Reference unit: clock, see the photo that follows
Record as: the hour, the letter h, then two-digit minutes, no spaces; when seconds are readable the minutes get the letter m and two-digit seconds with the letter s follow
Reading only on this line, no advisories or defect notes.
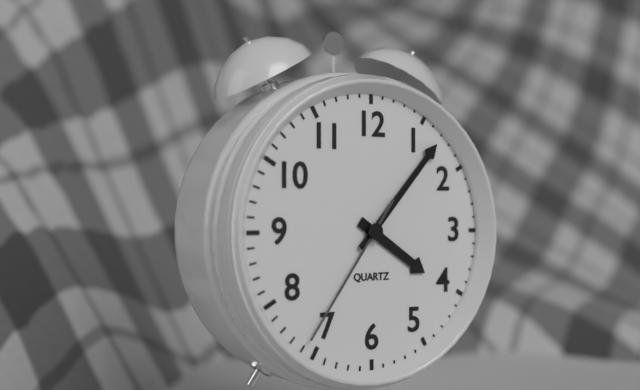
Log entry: 4h07m36s
